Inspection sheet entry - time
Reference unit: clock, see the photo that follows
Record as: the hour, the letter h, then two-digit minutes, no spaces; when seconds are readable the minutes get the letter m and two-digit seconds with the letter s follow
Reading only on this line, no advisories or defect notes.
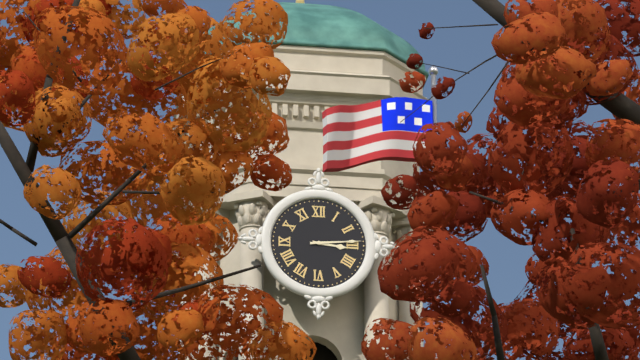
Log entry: 3h14
